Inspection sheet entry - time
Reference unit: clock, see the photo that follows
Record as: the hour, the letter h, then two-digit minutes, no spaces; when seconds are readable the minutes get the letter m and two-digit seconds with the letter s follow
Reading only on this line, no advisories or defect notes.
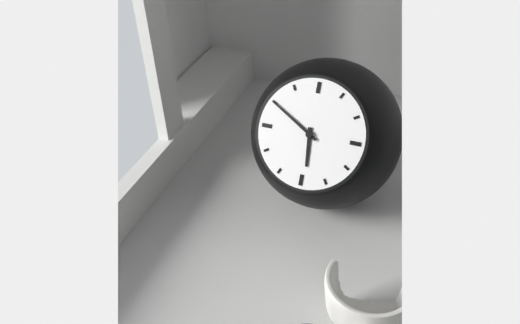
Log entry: 5h50
